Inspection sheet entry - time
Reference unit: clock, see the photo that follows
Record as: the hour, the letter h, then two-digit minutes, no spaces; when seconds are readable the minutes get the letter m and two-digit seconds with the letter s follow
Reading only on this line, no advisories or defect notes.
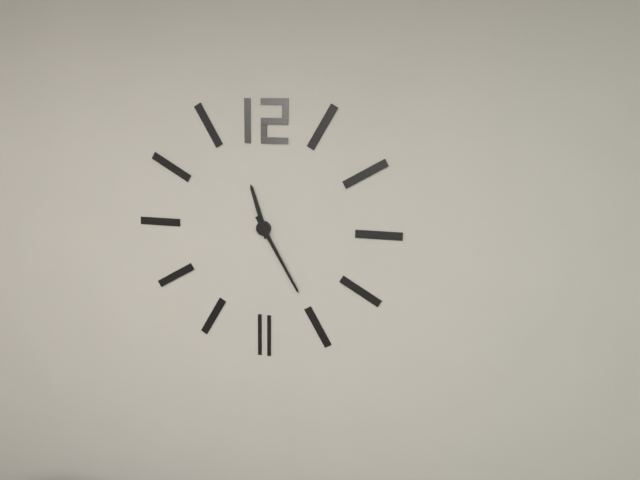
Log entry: 11h25
